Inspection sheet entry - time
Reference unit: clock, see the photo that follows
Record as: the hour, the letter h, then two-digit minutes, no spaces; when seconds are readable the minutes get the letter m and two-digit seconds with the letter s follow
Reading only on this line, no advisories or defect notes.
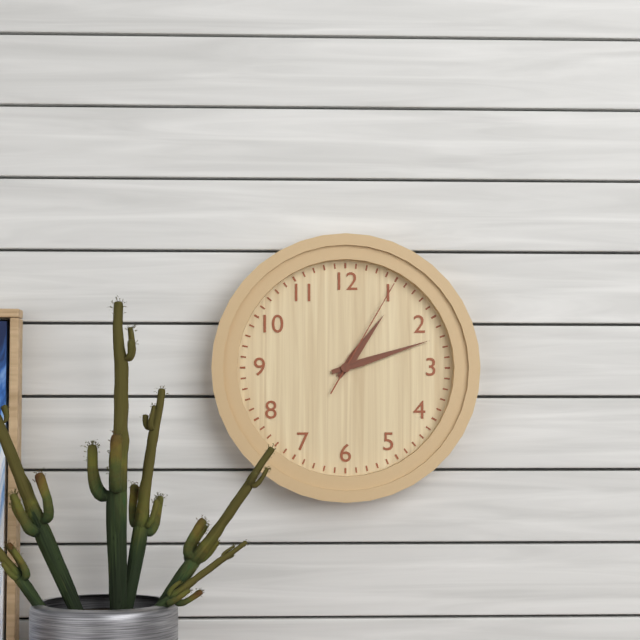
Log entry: 1h12m05s
